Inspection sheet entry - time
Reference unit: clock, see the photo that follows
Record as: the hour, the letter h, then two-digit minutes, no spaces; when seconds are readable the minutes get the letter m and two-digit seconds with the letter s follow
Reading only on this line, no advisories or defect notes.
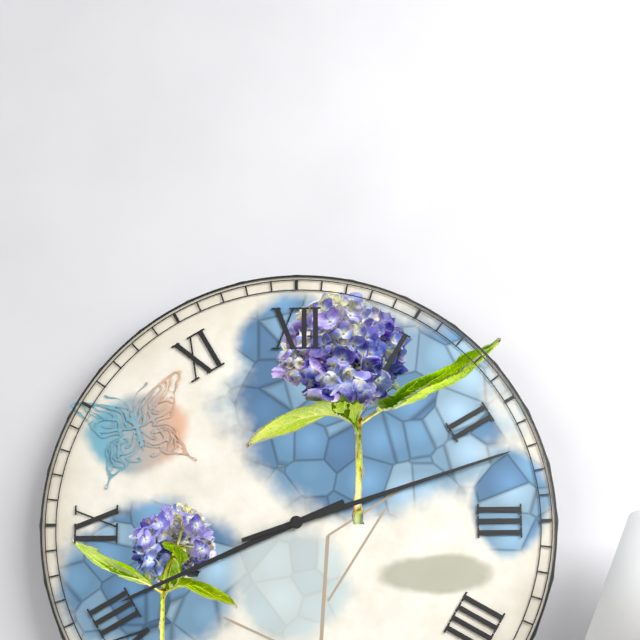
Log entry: 8h12
